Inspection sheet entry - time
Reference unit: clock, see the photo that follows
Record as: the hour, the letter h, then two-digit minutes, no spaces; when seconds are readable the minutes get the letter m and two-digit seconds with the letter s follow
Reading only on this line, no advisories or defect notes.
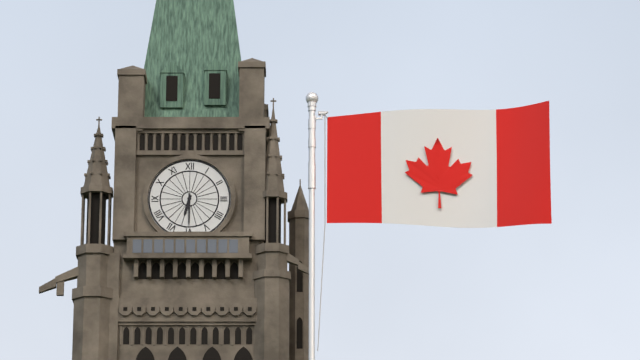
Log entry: 6h30
